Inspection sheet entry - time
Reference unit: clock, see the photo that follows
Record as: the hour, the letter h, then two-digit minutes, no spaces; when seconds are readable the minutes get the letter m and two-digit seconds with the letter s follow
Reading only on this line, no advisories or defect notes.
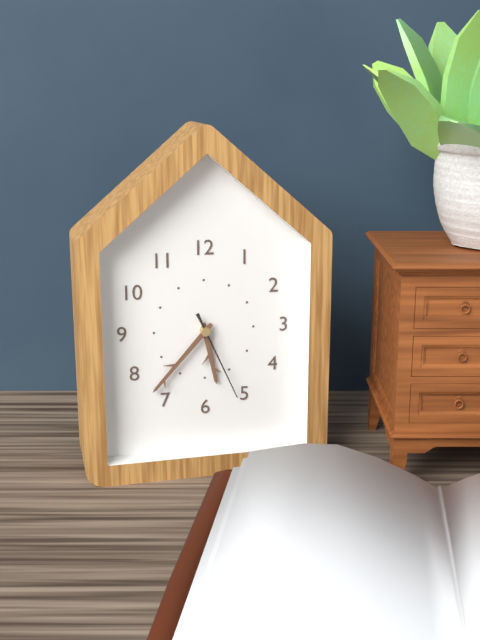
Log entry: 5h37m26s
